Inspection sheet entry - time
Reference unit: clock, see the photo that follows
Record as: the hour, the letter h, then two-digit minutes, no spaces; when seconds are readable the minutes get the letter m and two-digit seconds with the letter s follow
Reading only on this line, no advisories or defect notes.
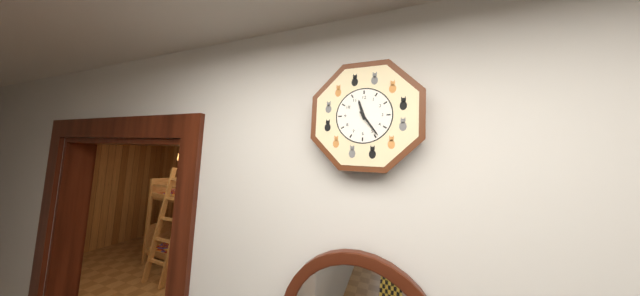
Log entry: 11h24
